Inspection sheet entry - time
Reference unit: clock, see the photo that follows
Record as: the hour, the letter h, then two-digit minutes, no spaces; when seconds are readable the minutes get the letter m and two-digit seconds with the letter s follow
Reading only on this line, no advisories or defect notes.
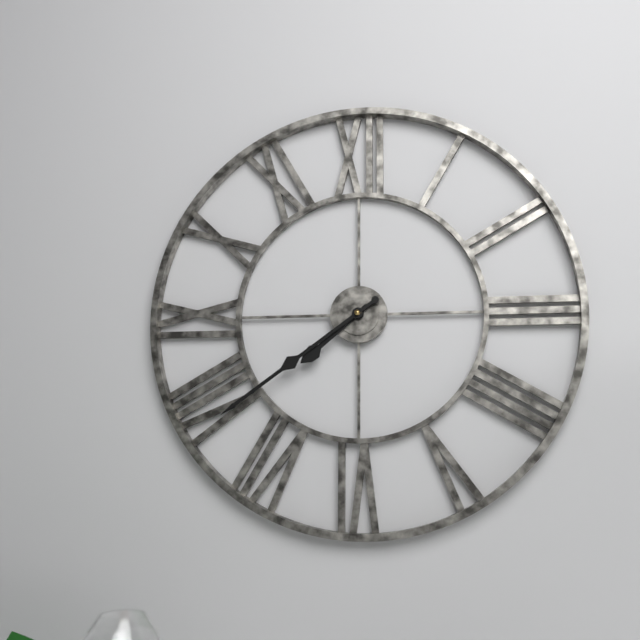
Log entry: 7h39
